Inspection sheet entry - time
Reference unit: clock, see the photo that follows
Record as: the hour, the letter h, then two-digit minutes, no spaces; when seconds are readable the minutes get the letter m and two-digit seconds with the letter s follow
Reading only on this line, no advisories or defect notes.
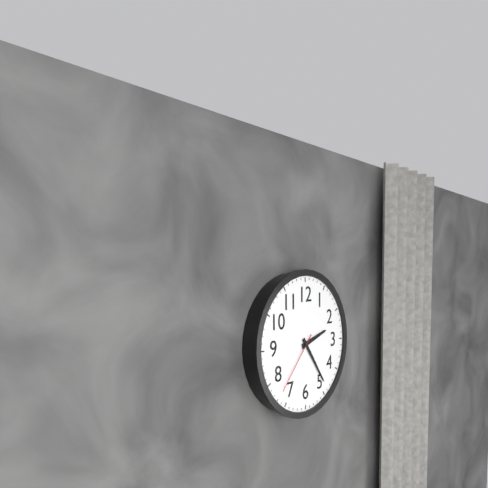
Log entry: 2h24m37s
